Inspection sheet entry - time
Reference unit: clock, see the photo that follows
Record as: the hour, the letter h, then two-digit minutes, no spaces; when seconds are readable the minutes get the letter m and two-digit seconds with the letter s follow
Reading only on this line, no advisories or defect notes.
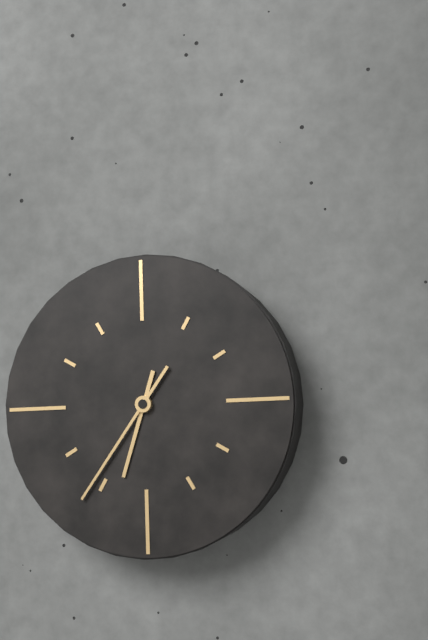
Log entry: 6h36
